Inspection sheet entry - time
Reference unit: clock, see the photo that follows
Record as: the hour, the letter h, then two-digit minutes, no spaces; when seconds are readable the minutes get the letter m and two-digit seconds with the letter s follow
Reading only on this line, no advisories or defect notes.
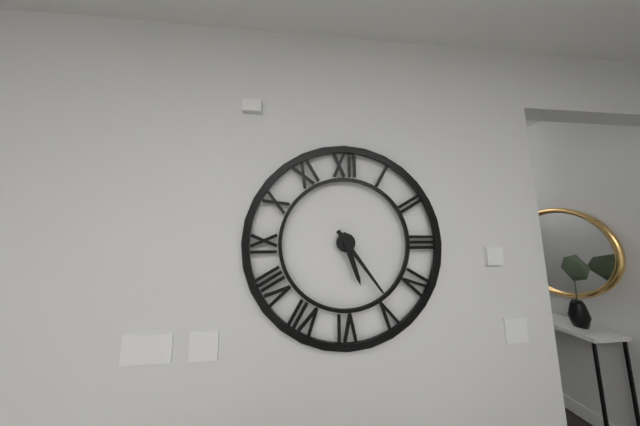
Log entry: 5h24
